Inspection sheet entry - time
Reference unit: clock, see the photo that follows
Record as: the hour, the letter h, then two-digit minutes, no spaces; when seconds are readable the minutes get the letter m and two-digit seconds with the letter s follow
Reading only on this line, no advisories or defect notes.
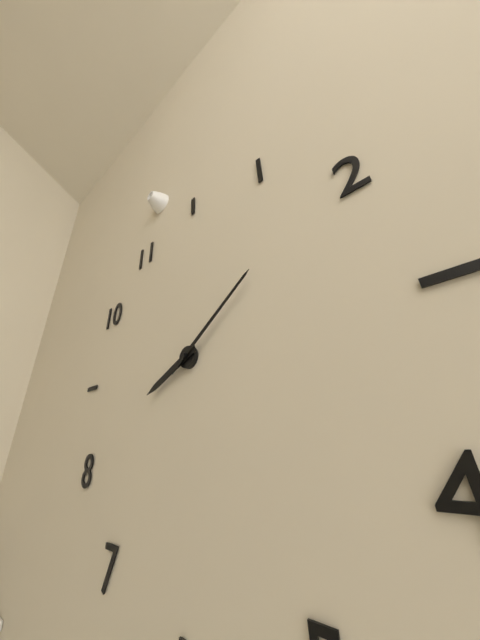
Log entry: 8h09
